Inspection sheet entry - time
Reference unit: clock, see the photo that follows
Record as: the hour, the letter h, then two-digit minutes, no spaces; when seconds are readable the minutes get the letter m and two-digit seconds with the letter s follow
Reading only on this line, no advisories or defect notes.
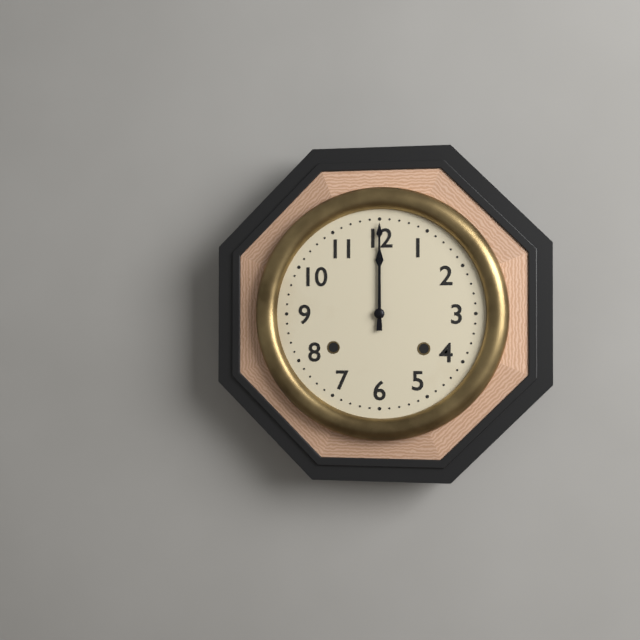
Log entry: 12h00
